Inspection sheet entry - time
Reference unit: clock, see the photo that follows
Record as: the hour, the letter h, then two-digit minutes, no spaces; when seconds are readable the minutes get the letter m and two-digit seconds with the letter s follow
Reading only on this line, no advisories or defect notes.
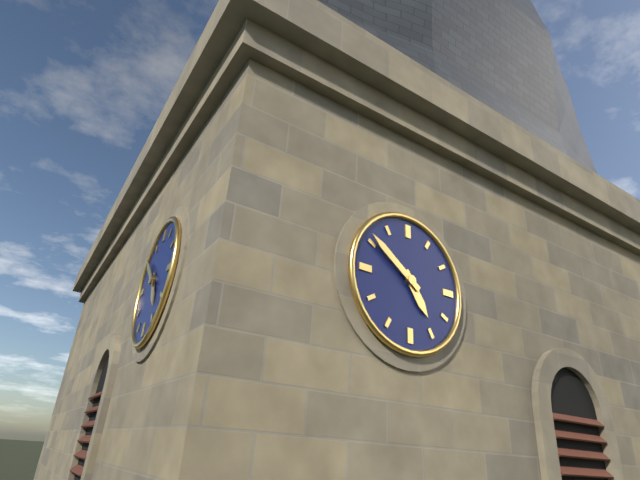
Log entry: 4h51
